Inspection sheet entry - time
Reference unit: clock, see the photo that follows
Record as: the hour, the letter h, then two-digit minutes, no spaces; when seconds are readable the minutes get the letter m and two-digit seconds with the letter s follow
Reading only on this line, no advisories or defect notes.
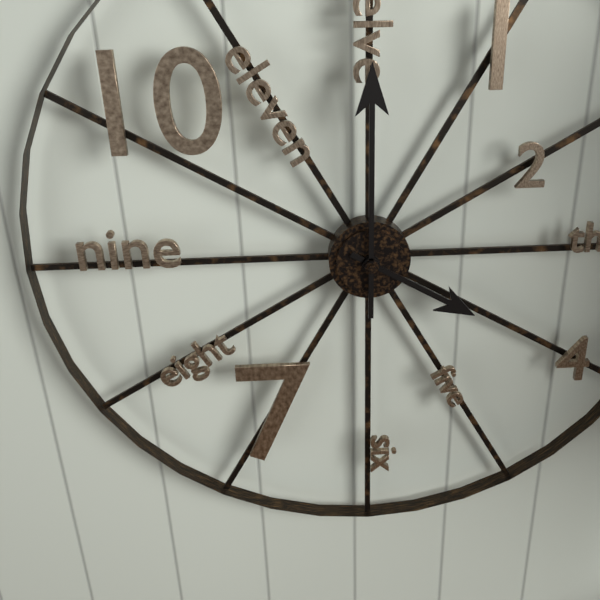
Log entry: 4h00
